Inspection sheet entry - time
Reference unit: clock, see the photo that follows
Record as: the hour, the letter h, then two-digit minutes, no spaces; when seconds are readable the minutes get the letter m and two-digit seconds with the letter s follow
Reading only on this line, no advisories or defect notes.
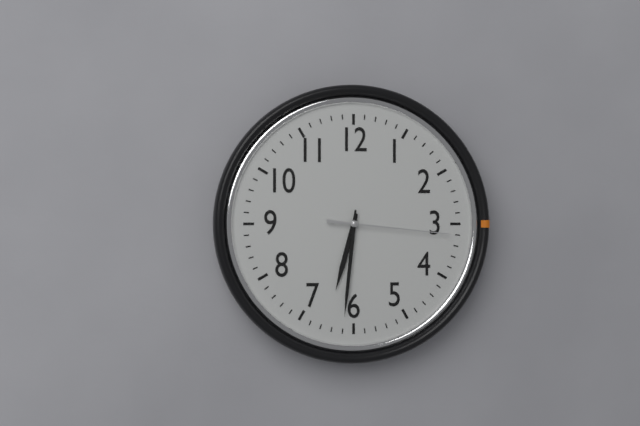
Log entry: 6h31m16s
